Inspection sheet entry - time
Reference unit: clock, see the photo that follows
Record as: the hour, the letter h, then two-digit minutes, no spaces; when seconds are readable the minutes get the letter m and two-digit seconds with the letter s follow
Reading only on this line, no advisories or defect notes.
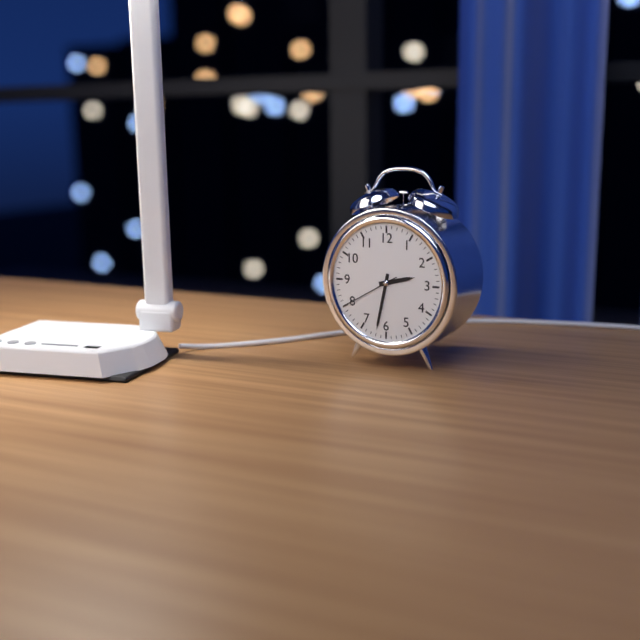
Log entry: 2h32m40s
